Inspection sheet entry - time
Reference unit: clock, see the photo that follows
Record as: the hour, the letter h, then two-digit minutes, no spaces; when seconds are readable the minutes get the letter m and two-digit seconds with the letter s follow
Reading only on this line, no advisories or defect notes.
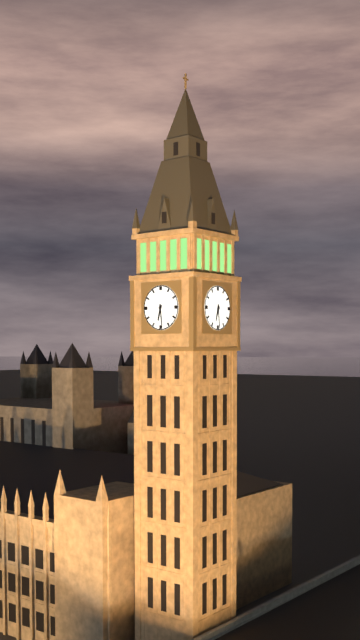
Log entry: 6h29
